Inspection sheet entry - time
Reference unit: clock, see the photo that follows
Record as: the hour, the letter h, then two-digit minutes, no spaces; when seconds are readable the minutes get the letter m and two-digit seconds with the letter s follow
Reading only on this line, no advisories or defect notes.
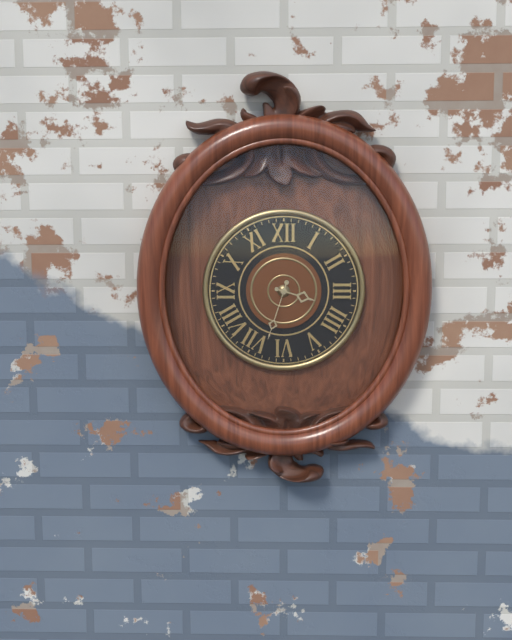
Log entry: 3h33
